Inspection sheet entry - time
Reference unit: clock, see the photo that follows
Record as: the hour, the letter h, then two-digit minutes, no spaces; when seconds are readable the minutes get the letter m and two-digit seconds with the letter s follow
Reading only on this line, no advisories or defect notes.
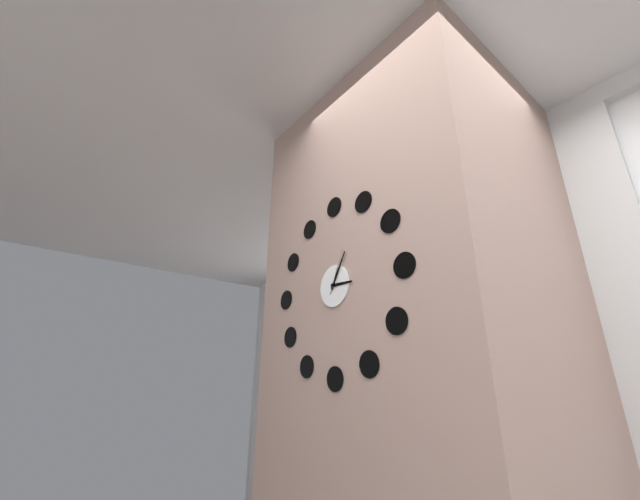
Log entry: 3h05
